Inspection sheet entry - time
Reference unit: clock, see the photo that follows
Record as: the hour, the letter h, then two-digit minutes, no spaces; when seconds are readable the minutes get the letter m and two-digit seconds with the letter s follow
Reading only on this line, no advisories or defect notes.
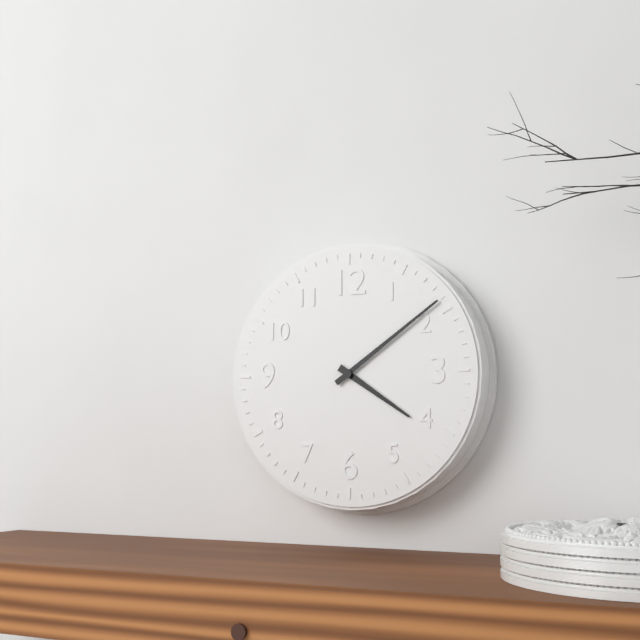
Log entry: 4h09
